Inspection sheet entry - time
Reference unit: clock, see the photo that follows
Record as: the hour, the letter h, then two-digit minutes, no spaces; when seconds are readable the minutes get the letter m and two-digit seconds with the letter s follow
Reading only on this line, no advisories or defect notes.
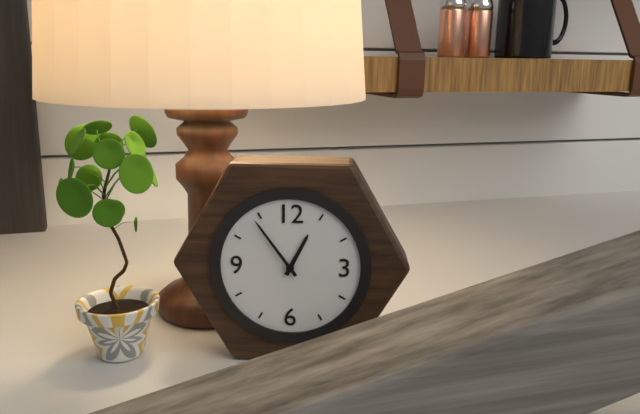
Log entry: 12h54
